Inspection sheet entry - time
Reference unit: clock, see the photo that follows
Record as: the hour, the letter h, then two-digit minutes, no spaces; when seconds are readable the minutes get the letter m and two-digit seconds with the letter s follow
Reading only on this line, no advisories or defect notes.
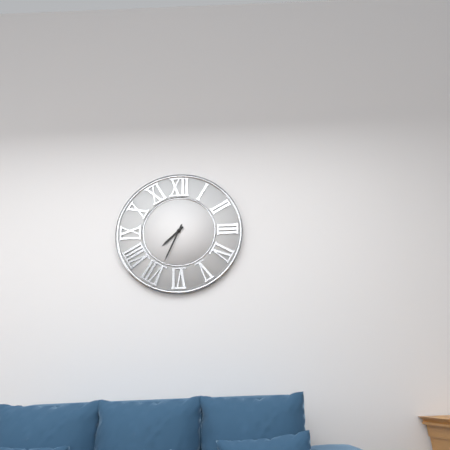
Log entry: 7h34
